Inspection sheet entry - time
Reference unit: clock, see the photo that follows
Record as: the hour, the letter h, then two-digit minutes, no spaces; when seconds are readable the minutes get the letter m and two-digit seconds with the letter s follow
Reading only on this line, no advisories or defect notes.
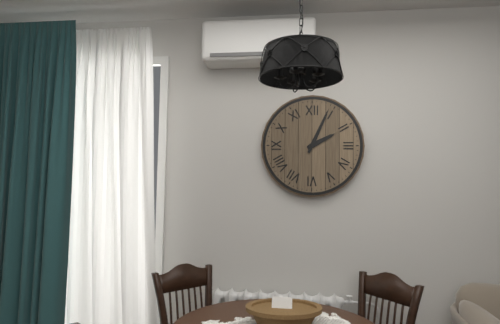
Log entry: 2h04
